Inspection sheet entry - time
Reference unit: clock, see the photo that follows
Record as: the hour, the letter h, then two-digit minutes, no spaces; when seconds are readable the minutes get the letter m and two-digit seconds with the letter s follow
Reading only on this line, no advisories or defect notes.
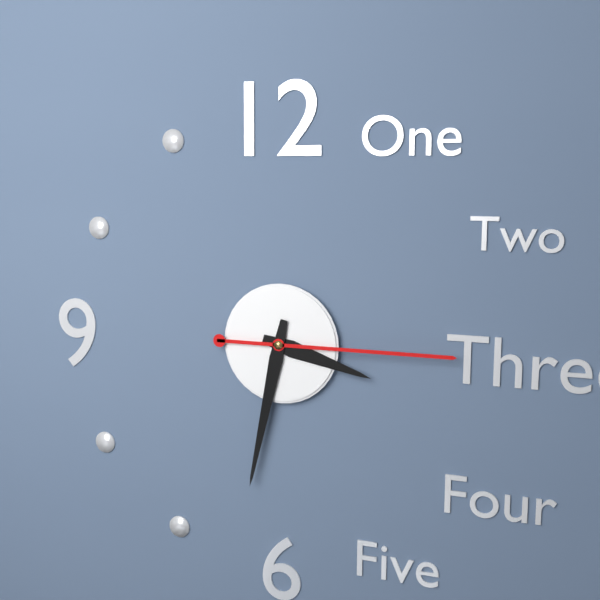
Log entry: 3h32m15s
